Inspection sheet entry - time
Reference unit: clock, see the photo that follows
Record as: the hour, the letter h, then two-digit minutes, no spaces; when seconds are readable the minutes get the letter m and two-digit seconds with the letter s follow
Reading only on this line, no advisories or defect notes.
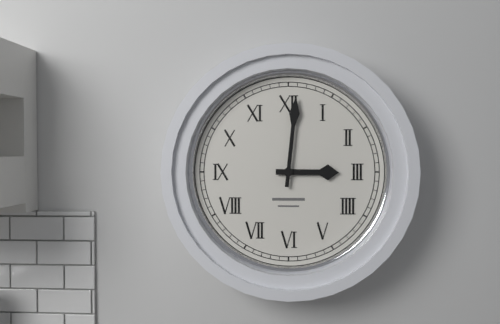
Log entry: 3h01
